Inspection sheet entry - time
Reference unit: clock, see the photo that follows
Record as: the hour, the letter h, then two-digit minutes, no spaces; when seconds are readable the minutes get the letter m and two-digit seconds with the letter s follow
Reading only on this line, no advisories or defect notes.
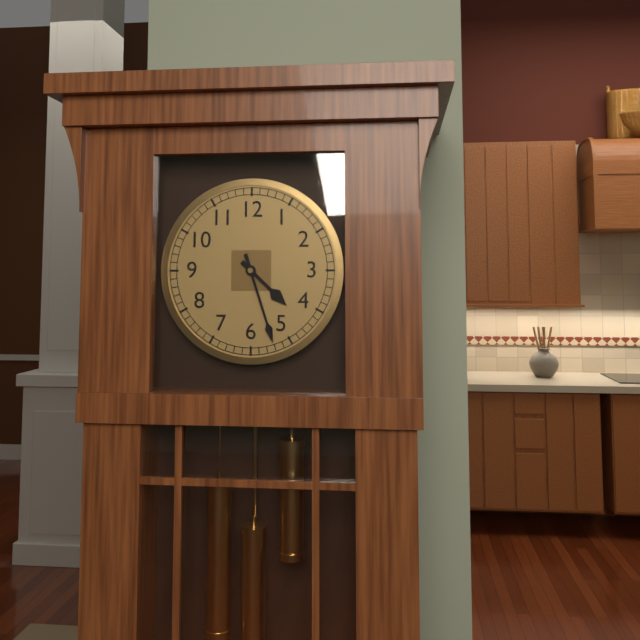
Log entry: 4h27
